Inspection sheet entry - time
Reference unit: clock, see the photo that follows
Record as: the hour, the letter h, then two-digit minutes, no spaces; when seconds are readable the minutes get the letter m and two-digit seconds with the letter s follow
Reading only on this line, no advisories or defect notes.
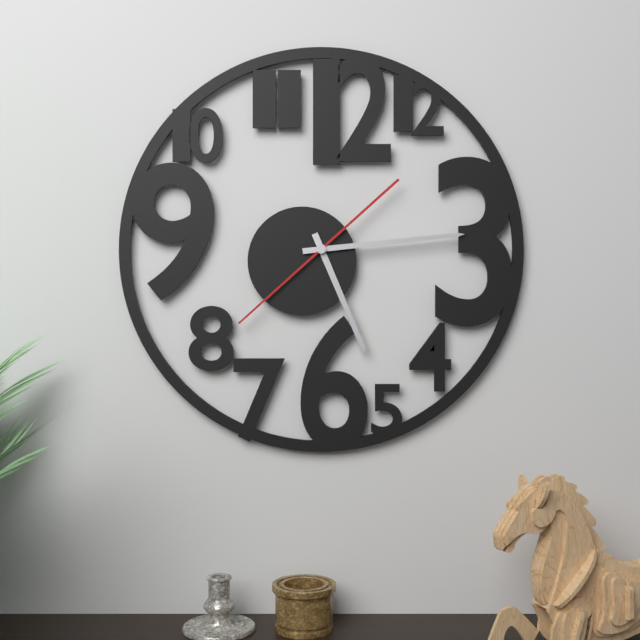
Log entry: 5h14m38s
